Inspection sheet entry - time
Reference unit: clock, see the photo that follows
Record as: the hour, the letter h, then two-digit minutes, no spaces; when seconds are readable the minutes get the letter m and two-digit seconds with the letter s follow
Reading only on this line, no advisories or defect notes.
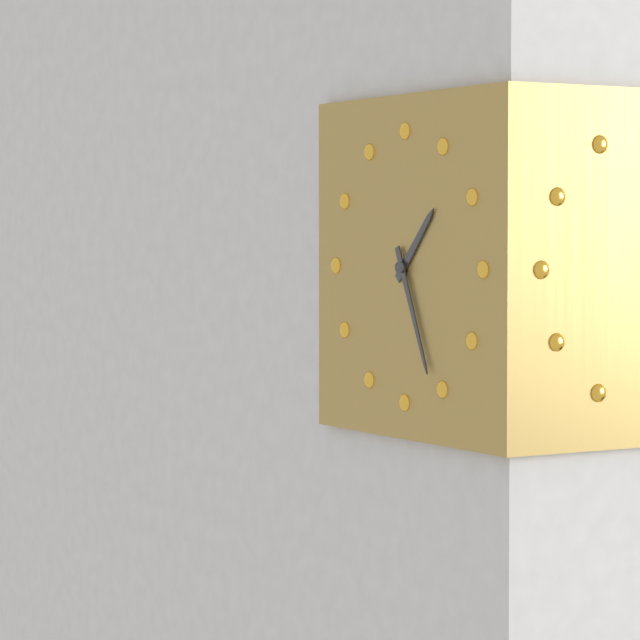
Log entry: 1h26
